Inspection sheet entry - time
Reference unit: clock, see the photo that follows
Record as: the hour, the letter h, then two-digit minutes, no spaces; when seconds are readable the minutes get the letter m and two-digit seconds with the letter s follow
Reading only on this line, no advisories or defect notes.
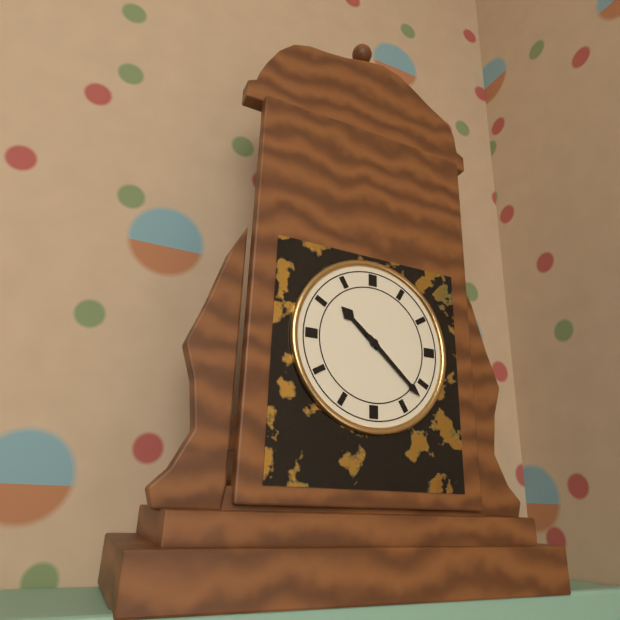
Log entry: 10h22
